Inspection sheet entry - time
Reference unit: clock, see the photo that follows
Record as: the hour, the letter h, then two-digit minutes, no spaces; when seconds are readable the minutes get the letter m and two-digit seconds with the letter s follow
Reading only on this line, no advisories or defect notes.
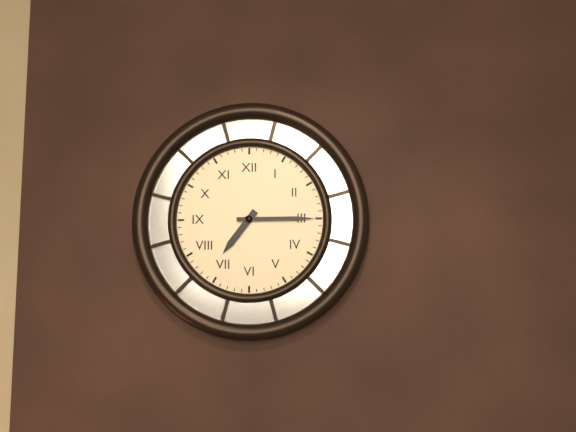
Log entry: 7h15
